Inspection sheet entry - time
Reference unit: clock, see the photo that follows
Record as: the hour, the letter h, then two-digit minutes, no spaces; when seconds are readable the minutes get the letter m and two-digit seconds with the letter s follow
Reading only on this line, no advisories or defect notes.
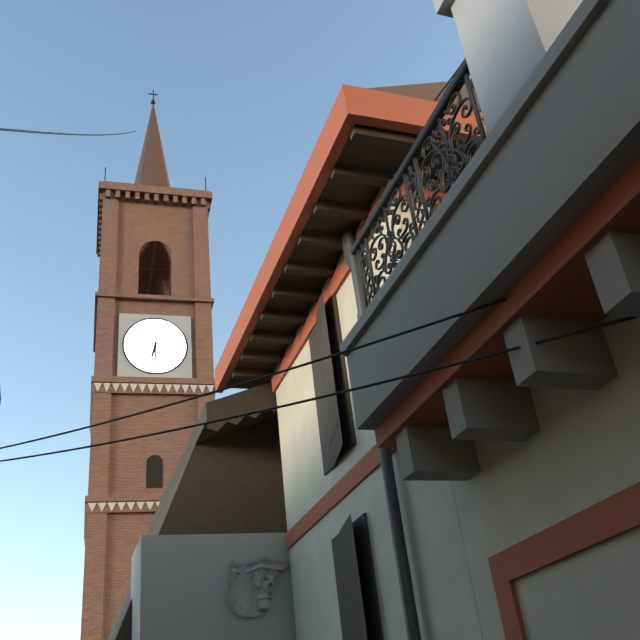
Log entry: 6h30
